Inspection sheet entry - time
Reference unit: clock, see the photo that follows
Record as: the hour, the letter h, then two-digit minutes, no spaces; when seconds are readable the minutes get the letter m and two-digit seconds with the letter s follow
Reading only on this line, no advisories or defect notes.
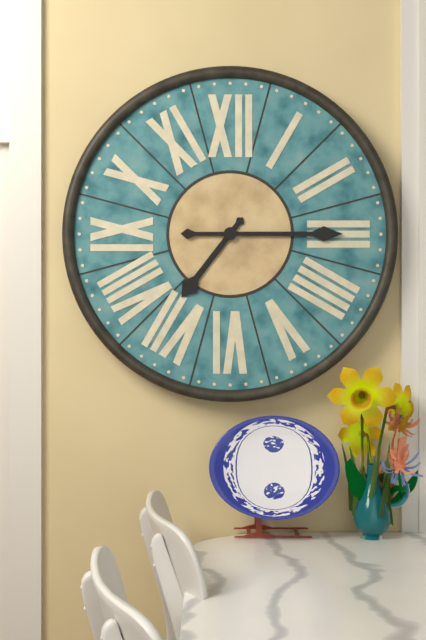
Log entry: 7h15
